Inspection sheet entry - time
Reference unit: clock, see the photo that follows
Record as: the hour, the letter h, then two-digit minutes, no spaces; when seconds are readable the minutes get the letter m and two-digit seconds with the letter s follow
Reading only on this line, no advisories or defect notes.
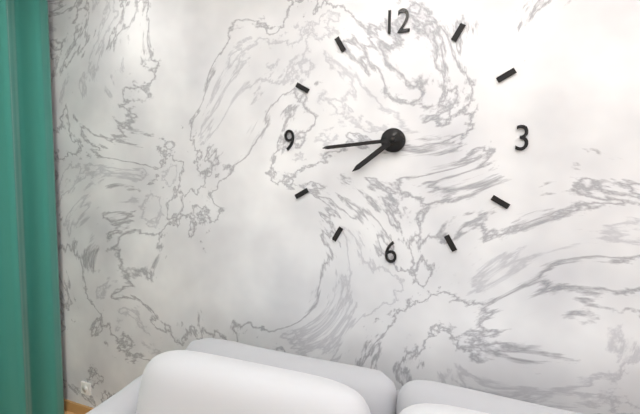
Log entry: 7h44
